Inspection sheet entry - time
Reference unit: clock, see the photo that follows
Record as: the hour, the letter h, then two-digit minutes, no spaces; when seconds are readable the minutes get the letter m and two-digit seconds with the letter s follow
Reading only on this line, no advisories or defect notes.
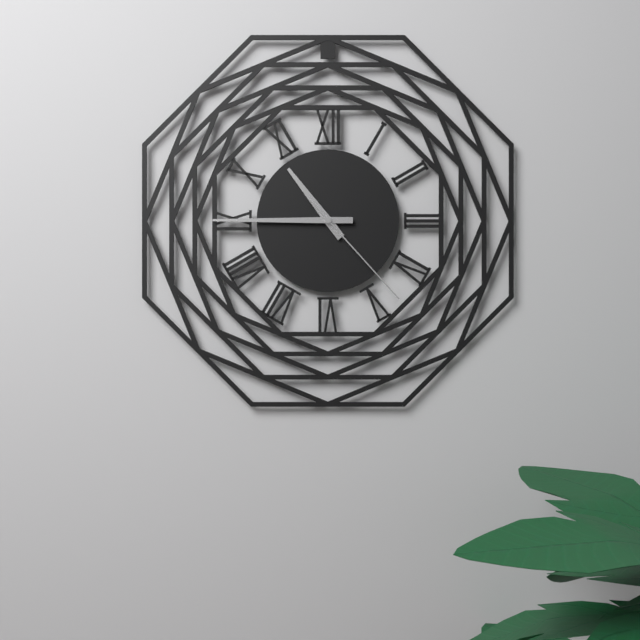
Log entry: 10h45m23s
